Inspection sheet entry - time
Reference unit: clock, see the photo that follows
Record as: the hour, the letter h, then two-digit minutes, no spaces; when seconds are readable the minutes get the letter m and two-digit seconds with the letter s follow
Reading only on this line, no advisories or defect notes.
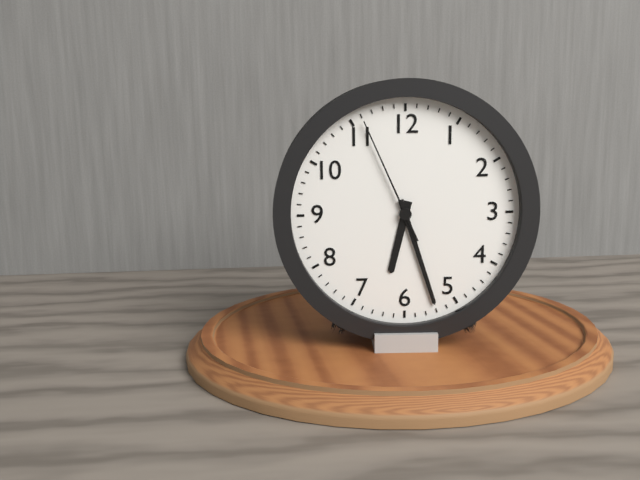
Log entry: 6h27m56s
